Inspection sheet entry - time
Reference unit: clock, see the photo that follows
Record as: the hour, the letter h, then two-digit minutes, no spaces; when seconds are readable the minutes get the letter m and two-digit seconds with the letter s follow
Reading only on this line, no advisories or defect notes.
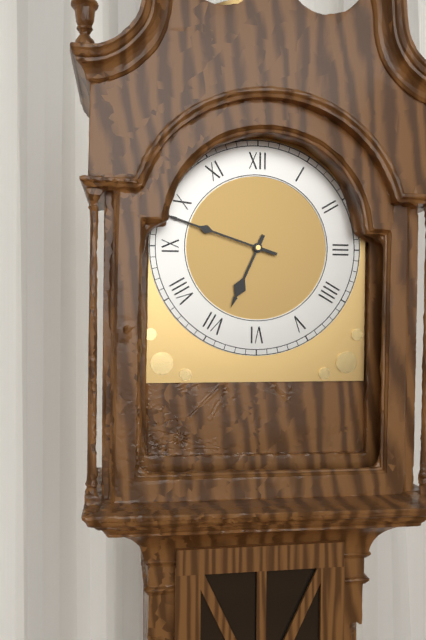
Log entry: 6h48
